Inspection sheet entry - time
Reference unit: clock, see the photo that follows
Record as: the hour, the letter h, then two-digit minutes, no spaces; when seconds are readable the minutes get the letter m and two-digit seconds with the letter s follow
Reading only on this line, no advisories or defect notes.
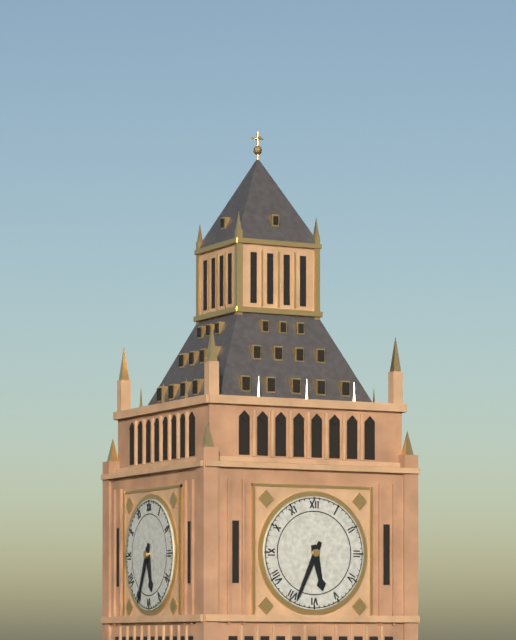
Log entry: 5h34
